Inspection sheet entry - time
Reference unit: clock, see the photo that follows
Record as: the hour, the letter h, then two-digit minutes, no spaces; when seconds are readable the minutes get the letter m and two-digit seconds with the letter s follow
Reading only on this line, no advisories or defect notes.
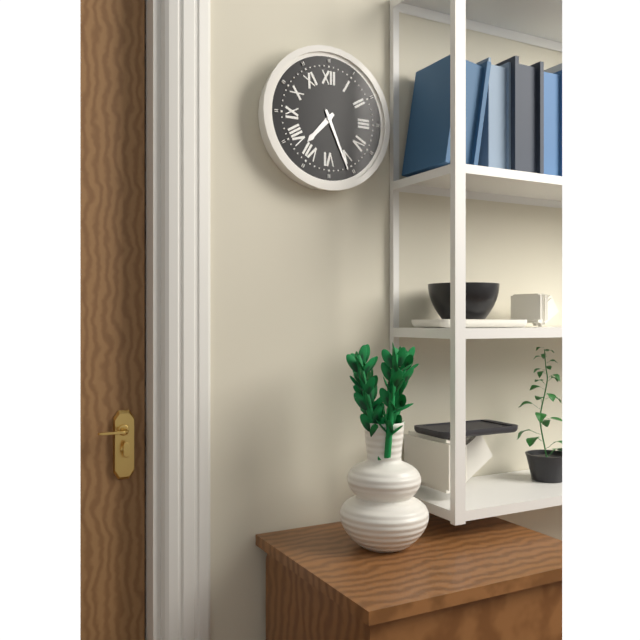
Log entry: 7h26
